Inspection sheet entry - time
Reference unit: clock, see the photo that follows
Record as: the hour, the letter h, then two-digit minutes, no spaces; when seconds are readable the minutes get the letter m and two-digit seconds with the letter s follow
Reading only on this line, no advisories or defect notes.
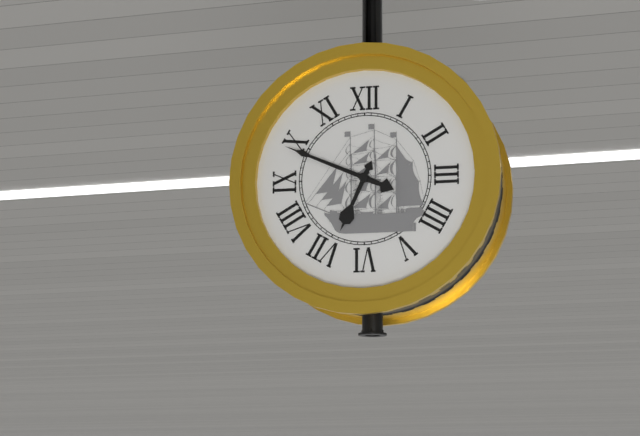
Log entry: 6h49
